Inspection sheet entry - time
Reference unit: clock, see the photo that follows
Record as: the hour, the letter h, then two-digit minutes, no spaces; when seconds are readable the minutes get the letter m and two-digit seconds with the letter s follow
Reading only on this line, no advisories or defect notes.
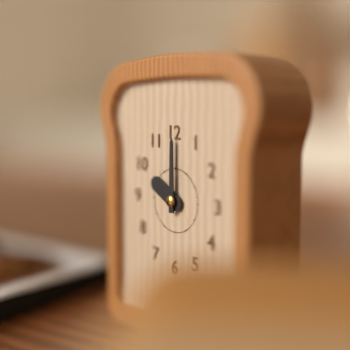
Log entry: 10h00
